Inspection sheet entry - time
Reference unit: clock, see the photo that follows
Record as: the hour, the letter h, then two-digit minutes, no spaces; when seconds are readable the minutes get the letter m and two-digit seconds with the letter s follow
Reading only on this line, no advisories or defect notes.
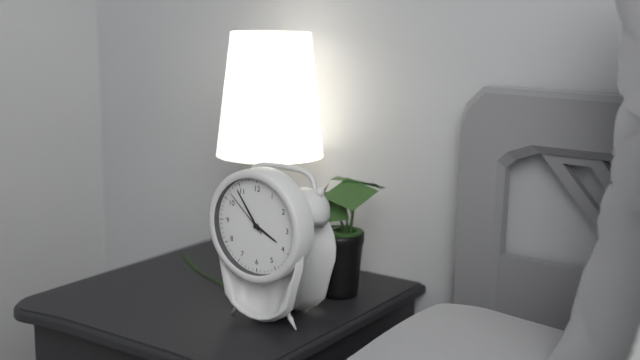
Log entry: 3h54m52s
